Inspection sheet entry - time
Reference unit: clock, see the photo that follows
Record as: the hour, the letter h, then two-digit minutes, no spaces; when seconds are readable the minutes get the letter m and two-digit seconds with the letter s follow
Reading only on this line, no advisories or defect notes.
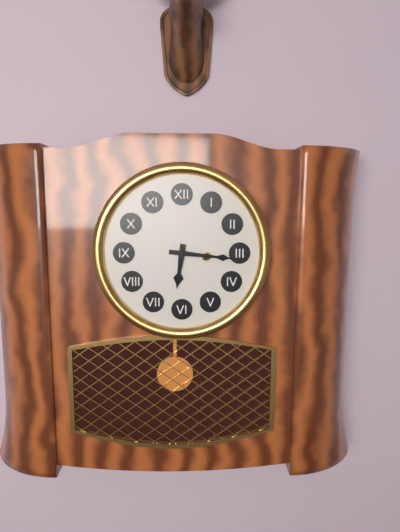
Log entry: 6h16
